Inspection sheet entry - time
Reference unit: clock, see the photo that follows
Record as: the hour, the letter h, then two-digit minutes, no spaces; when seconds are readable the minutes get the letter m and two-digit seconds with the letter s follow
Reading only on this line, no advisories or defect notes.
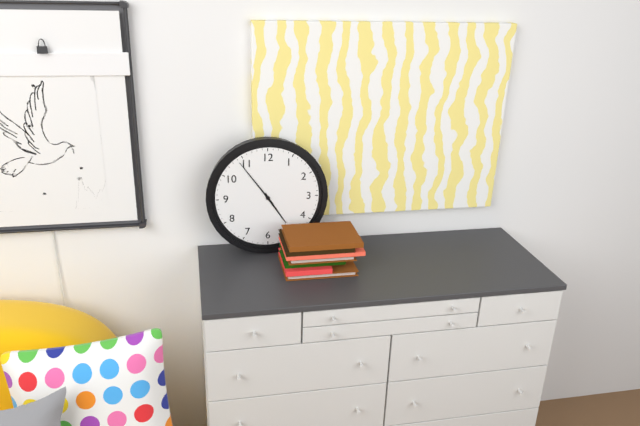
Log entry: 4h54
